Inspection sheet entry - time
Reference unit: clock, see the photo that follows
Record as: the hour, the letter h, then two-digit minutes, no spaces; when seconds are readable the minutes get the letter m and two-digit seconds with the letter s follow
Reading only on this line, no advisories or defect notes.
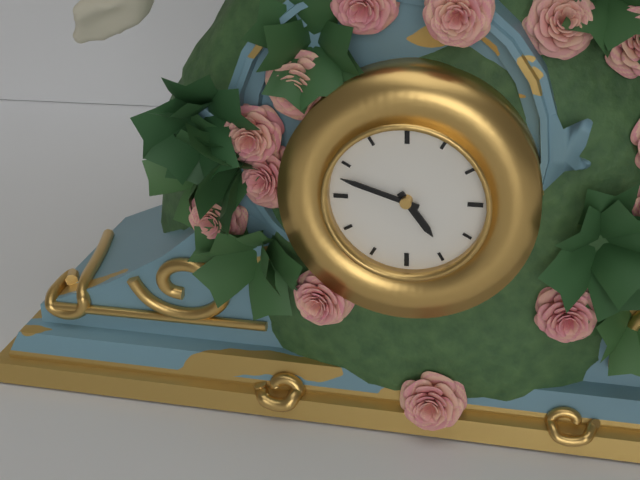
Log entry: 4h48
